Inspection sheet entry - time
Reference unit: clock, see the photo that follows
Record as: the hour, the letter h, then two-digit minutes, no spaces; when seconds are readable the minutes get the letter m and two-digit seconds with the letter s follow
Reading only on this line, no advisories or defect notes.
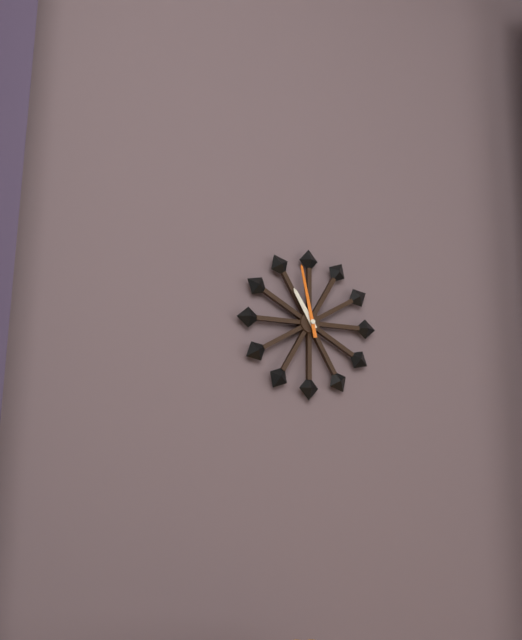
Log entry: 10h58
